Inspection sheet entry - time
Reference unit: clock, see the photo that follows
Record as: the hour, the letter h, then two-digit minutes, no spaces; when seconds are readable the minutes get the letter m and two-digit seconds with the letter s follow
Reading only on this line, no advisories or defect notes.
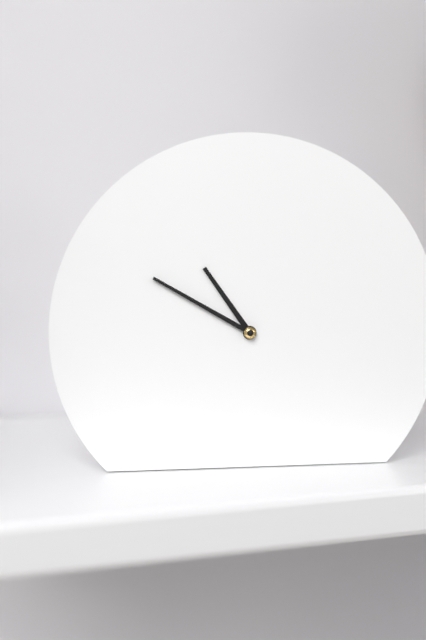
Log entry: 10h50
